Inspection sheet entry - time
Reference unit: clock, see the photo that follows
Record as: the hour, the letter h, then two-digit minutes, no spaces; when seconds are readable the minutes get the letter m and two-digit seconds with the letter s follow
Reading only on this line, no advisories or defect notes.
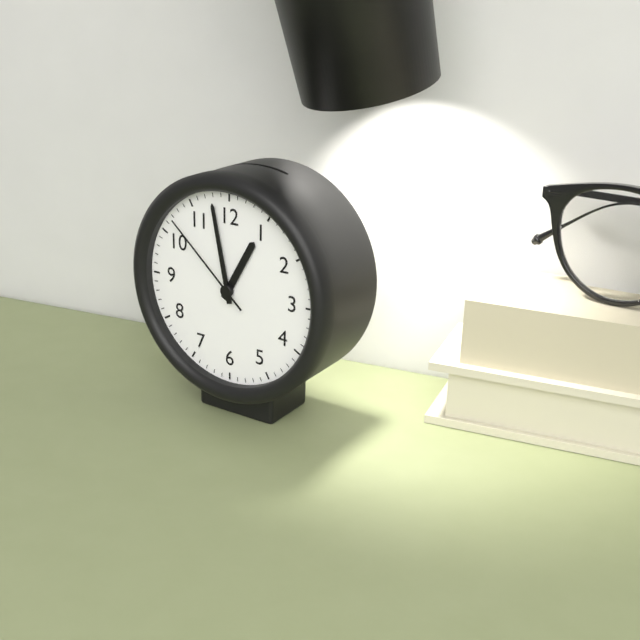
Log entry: 12h58m52s
